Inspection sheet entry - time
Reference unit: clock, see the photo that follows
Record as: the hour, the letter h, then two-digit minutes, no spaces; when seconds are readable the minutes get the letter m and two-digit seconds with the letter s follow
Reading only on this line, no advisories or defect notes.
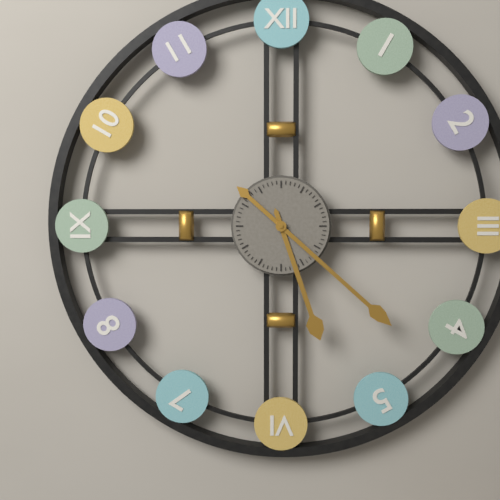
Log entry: 5h22
